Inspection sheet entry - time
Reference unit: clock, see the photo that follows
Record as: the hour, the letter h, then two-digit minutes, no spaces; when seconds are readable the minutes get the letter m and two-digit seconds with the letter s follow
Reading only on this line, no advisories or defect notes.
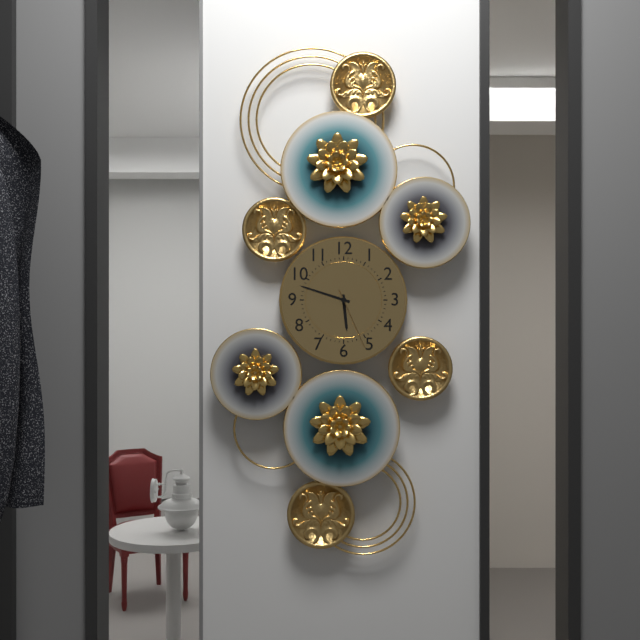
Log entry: 5h48m26s
